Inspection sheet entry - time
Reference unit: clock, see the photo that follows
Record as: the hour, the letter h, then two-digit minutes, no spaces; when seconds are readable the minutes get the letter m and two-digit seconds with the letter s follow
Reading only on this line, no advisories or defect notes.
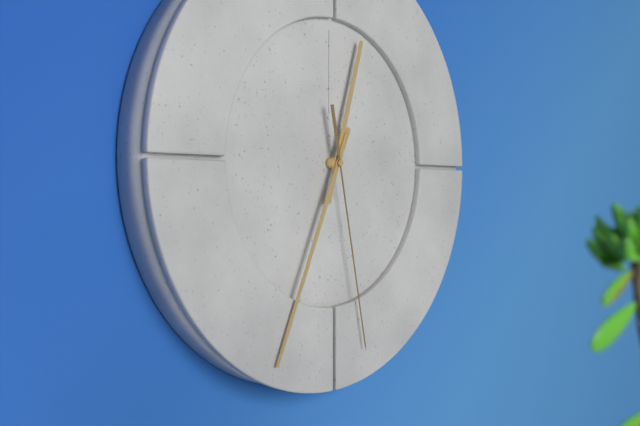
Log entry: 12h34m28s
